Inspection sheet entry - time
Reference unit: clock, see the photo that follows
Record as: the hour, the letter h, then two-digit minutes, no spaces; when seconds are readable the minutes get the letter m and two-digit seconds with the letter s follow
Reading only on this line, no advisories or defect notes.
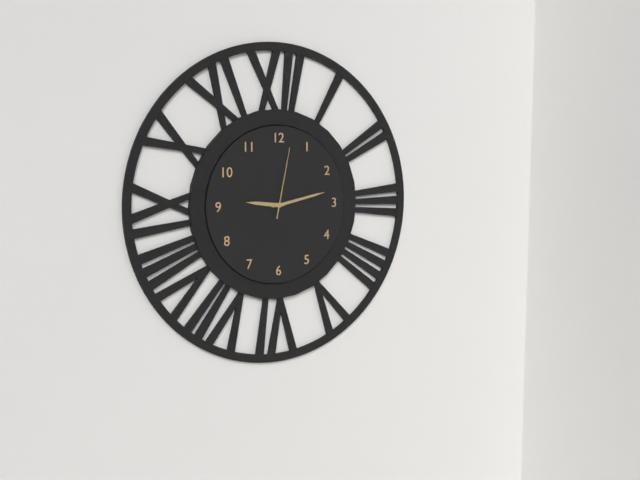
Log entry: 9h13m02s
